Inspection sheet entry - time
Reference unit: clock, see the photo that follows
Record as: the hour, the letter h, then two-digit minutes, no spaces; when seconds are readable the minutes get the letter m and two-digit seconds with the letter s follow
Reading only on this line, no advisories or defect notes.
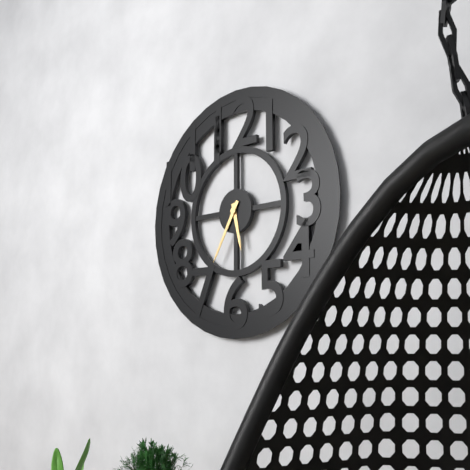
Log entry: 5h35
